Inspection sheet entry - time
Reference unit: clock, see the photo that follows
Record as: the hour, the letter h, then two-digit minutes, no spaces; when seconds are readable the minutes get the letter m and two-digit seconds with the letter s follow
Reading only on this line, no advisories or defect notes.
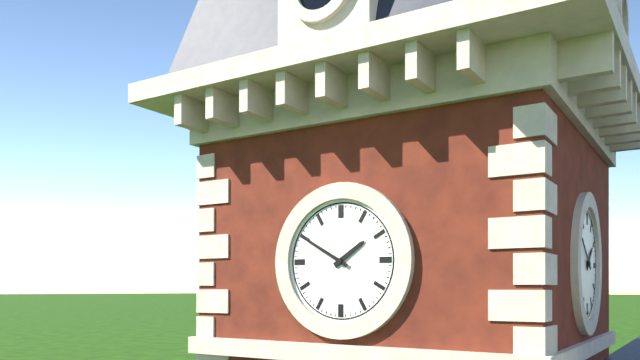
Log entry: 1h50
